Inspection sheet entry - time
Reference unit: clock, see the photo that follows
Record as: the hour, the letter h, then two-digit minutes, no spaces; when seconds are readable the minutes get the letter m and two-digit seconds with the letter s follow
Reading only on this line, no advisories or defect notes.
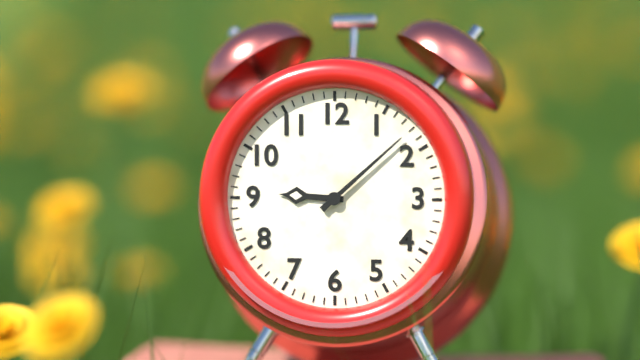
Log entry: 9h08
